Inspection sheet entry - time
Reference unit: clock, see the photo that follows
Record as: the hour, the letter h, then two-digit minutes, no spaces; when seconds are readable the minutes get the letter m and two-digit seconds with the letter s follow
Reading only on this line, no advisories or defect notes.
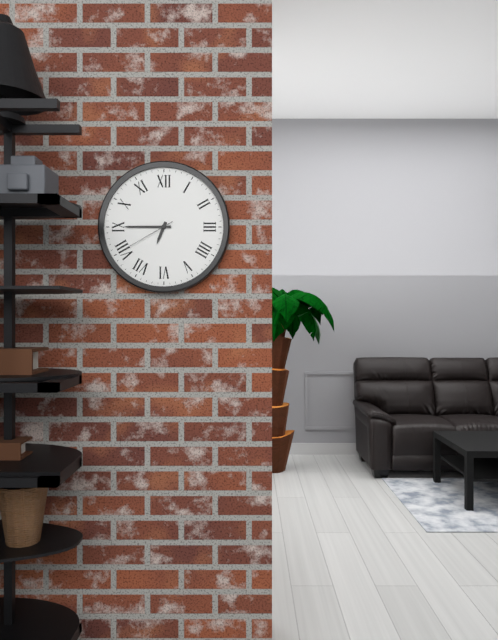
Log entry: 6h45m40s
